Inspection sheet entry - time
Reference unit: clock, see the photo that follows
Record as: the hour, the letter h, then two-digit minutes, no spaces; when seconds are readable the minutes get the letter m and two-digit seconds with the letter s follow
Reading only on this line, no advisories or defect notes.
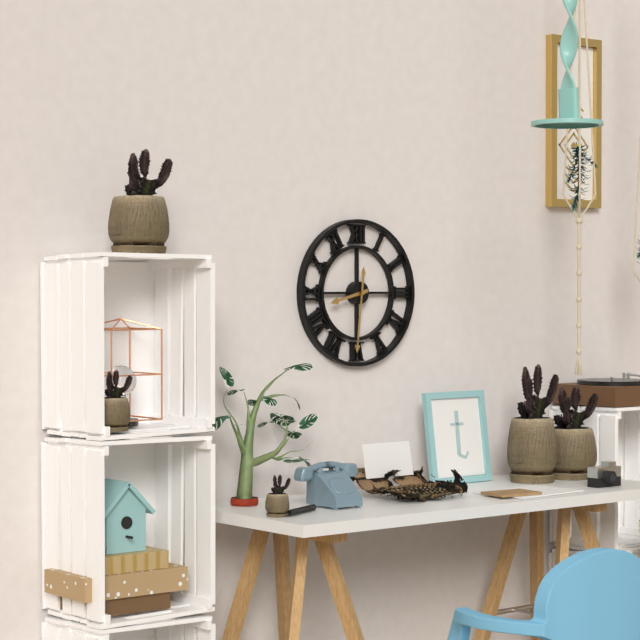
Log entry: 8h31
